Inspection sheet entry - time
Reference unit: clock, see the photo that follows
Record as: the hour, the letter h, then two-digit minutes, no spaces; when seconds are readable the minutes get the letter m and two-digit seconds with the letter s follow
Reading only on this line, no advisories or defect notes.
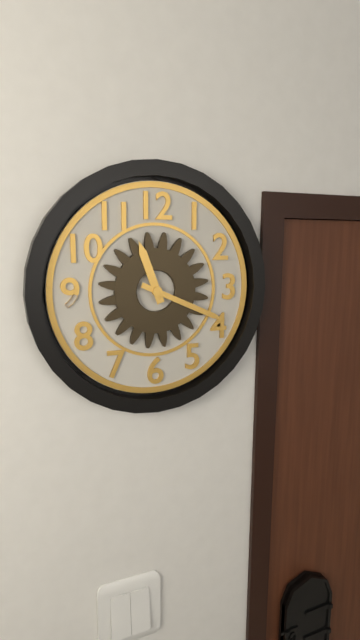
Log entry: 11h19
